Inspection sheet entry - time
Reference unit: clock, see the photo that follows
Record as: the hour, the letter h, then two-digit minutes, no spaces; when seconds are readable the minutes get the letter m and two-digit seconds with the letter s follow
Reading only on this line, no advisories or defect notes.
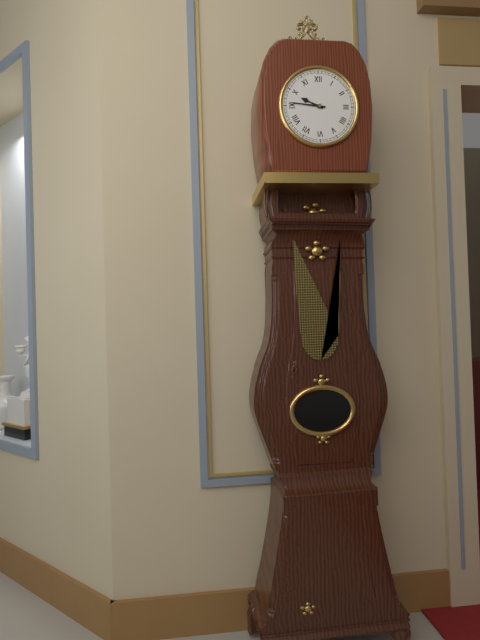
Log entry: 9h46
